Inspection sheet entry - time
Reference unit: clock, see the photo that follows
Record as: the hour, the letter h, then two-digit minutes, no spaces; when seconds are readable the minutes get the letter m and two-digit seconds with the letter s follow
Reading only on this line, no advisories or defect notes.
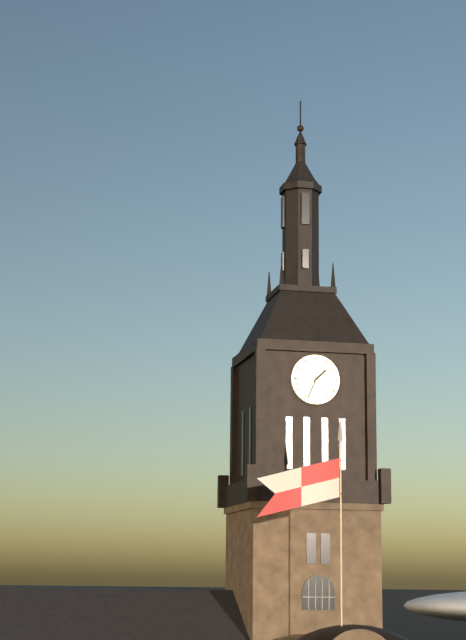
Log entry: 1h34
